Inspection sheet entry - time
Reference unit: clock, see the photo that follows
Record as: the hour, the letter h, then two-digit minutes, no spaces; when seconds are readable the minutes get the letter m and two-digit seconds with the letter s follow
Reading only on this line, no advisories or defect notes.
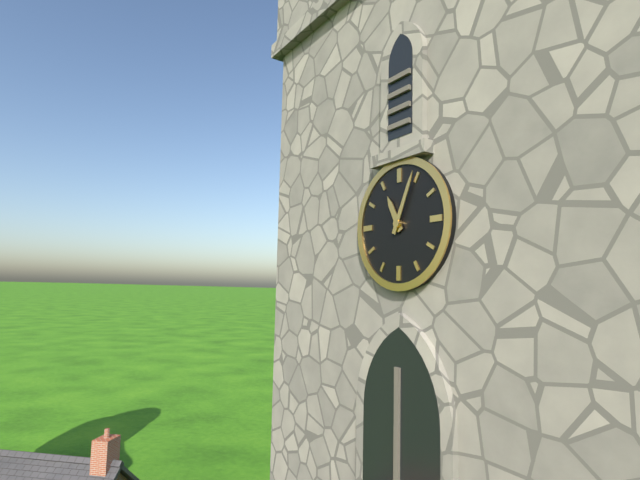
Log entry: 11h04
